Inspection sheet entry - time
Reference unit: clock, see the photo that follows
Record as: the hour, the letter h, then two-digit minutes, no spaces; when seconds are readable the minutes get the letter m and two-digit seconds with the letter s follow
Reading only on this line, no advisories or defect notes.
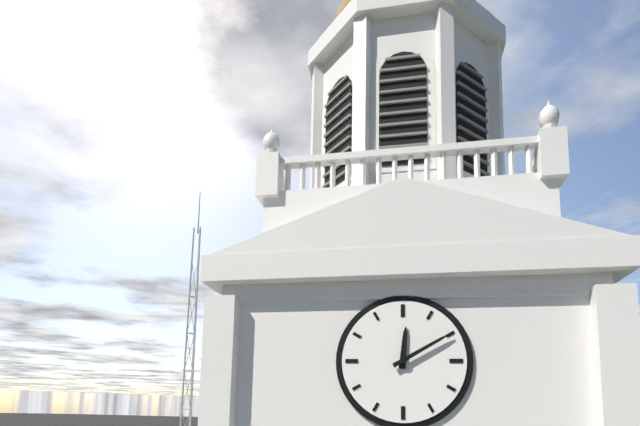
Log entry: 12h10
